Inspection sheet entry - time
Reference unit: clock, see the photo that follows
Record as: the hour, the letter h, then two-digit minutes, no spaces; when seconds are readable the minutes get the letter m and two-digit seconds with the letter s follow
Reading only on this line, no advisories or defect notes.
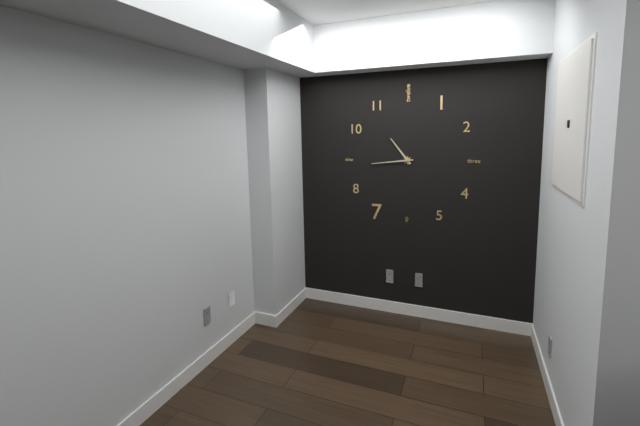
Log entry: 10h44
